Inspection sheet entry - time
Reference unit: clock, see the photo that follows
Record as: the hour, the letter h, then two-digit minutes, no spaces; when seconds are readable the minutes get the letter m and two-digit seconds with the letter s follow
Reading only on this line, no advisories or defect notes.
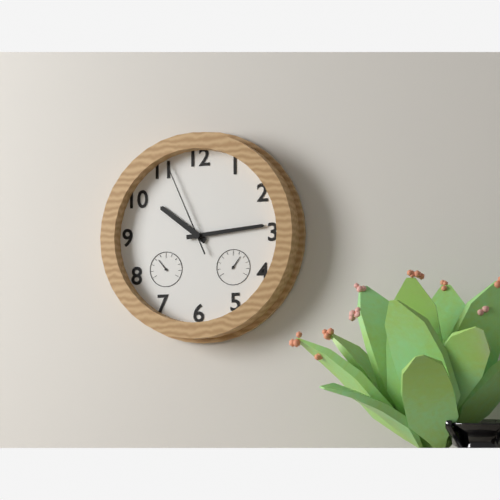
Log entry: 10h14m56s
